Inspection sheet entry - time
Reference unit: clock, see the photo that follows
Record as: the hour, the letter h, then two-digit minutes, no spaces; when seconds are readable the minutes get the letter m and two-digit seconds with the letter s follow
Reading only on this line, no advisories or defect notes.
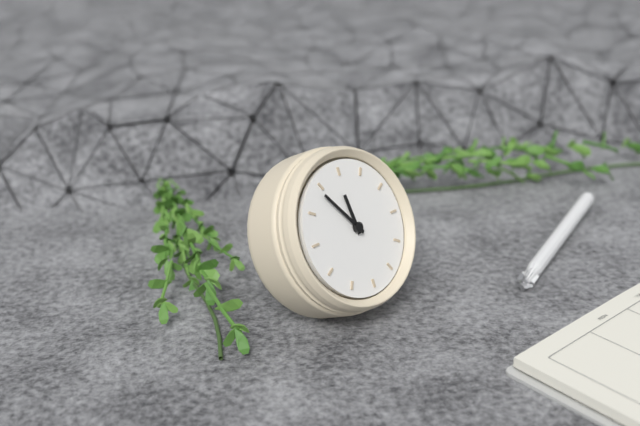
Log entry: 10h49
